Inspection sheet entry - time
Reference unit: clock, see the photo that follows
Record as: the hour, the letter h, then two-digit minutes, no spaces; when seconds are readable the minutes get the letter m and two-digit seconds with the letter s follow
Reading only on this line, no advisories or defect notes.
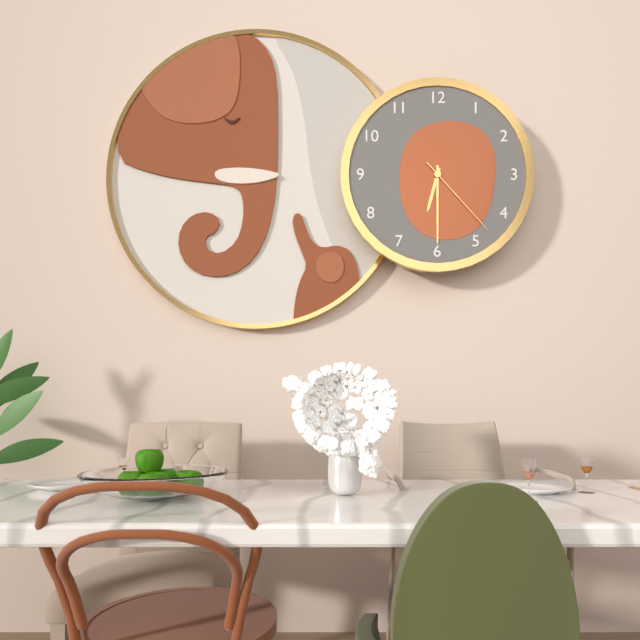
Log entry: 6h30m23s
